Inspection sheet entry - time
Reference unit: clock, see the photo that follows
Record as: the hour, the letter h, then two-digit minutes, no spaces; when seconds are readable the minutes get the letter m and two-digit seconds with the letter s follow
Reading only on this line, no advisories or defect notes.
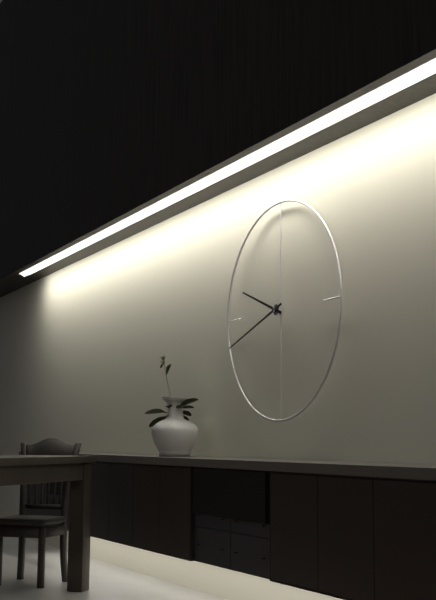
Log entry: 9h42
